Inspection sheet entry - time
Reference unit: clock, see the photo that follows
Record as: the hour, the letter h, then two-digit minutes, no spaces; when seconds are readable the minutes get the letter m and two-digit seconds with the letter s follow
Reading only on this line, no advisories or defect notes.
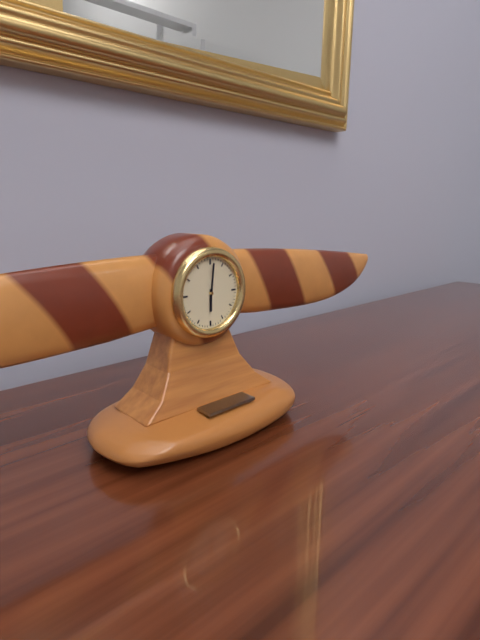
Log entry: 6h01
